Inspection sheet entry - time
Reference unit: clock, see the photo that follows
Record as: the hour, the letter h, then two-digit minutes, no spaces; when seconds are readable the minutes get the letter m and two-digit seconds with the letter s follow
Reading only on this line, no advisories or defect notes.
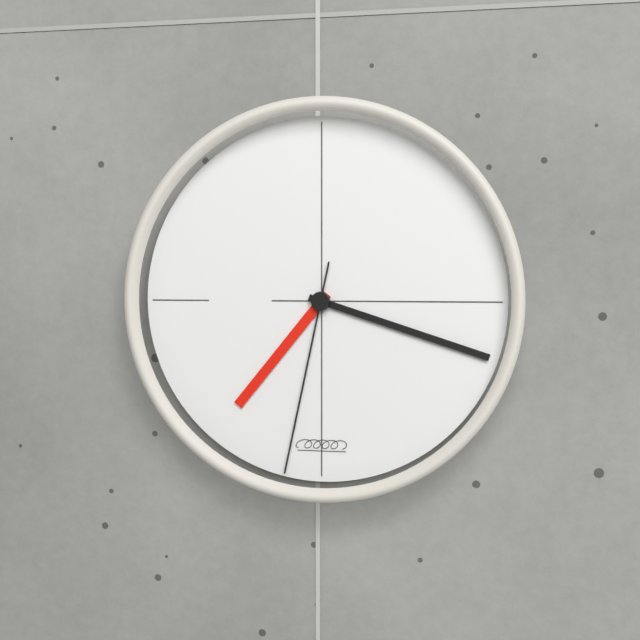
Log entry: 7h18m32s
